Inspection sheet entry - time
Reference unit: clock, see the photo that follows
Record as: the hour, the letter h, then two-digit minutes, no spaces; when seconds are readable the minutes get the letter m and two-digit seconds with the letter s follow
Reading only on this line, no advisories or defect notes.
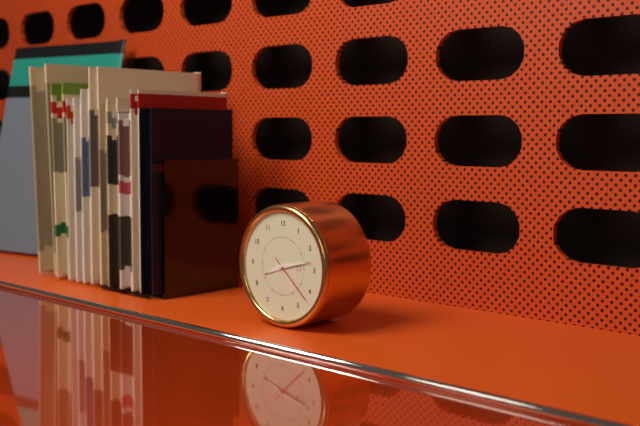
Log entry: 8h13m22s
